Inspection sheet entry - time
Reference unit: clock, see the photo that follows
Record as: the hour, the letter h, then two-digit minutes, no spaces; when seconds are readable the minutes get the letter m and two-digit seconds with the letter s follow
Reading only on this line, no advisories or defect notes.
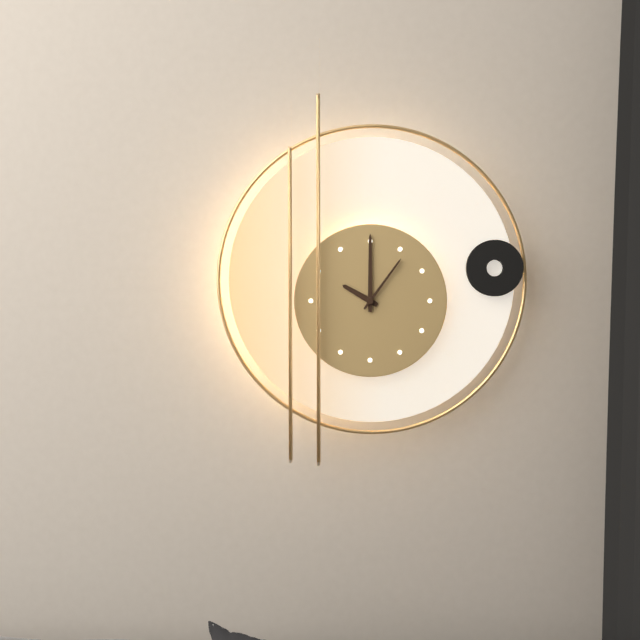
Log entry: 10h00m06s
